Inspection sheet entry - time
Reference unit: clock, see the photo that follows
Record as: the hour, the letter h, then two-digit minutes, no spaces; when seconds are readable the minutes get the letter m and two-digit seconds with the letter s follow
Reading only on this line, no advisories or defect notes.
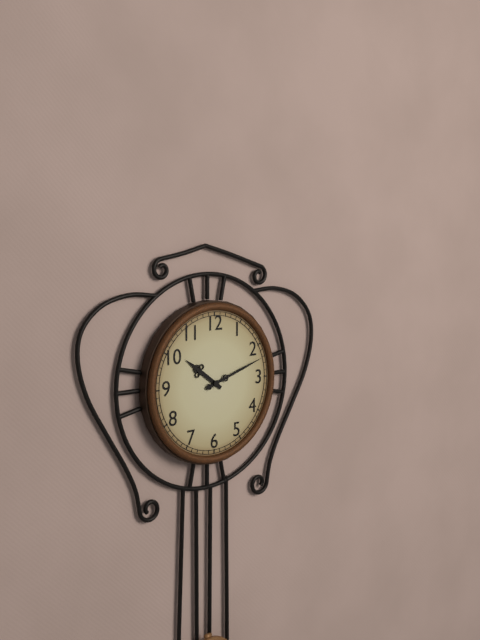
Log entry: 10h12
